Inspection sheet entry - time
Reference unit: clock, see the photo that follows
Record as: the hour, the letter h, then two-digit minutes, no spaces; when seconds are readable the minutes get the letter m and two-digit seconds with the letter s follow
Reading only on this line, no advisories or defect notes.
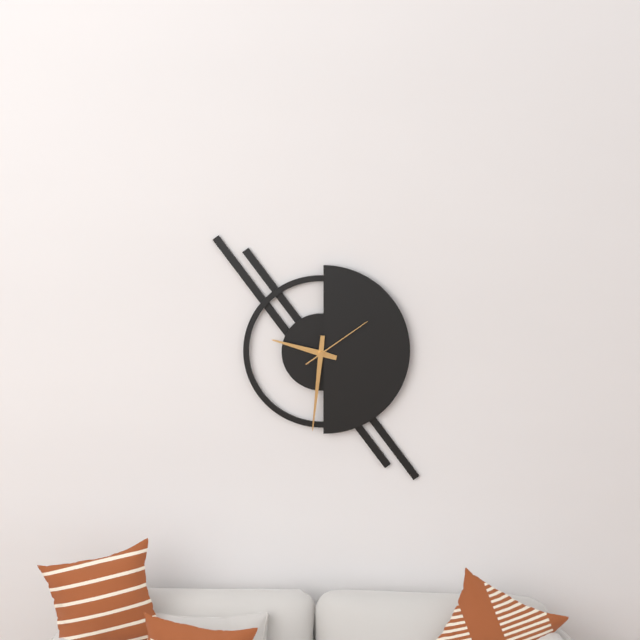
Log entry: 9h31m09s
